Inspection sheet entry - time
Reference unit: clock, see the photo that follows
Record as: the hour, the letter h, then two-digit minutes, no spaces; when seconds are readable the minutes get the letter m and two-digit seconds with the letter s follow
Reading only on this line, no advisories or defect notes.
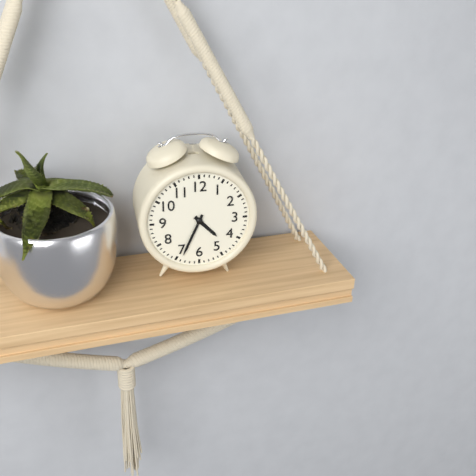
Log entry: 4h34
